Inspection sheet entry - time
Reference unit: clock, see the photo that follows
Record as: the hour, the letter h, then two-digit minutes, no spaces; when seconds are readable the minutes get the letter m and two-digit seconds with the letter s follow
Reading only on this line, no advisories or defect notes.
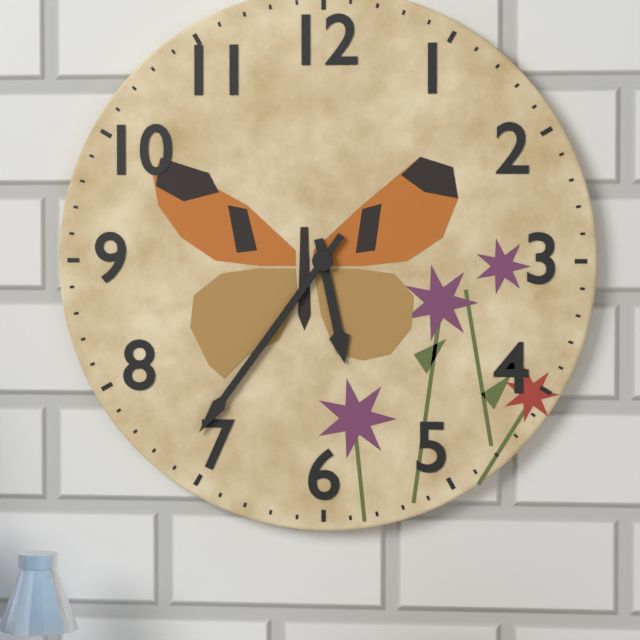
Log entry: 5h36
